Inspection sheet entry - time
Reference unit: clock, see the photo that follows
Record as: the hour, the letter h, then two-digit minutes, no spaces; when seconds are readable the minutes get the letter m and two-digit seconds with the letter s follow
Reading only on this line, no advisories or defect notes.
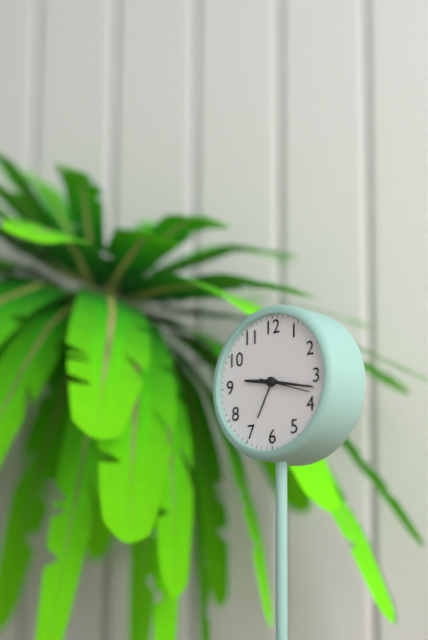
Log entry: 9h17m18s
